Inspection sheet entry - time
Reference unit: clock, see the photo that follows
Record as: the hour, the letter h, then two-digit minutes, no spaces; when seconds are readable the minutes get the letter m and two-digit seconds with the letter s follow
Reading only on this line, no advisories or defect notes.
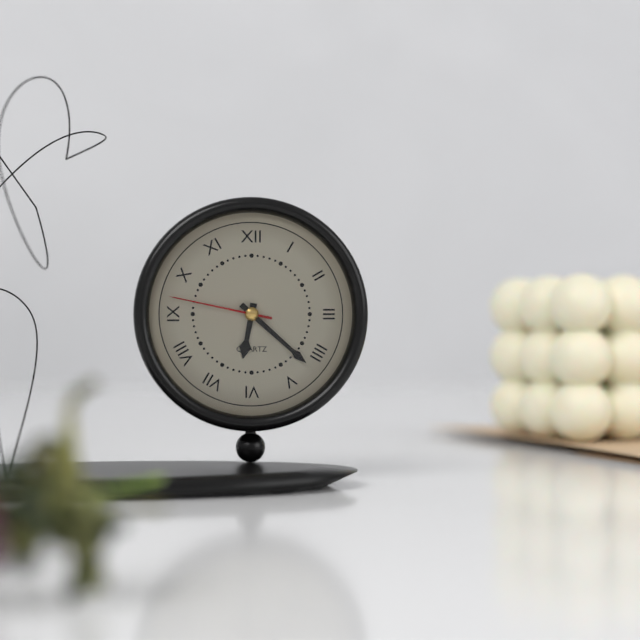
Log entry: 6h22m47s
